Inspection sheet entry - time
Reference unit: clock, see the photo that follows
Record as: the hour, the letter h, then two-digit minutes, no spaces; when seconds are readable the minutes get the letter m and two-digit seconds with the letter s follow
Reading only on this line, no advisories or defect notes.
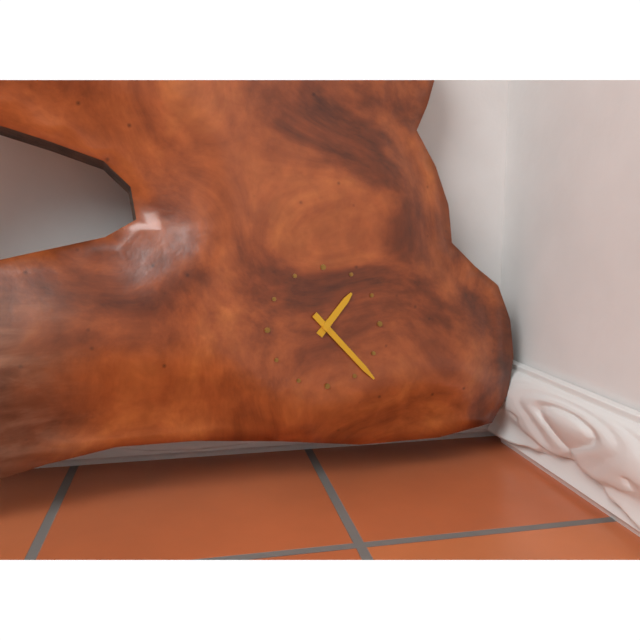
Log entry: 1h23
